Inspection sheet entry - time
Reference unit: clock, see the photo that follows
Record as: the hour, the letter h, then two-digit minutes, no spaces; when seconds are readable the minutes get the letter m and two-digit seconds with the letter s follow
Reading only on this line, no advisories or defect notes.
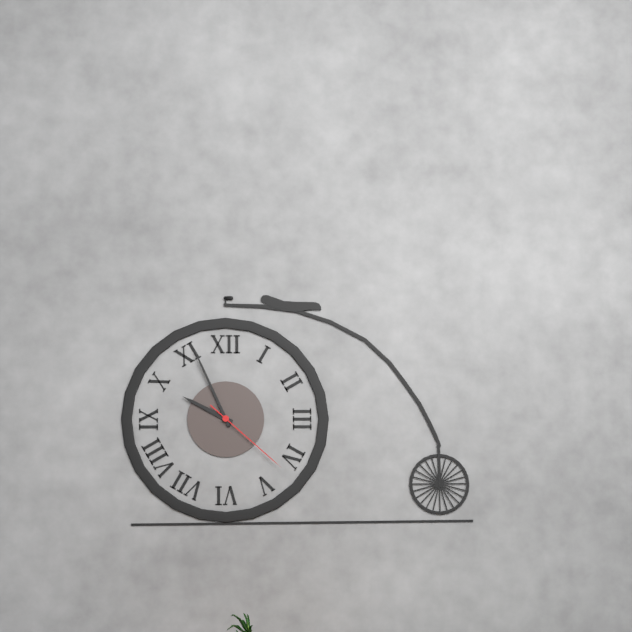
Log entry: 9h56m22s
